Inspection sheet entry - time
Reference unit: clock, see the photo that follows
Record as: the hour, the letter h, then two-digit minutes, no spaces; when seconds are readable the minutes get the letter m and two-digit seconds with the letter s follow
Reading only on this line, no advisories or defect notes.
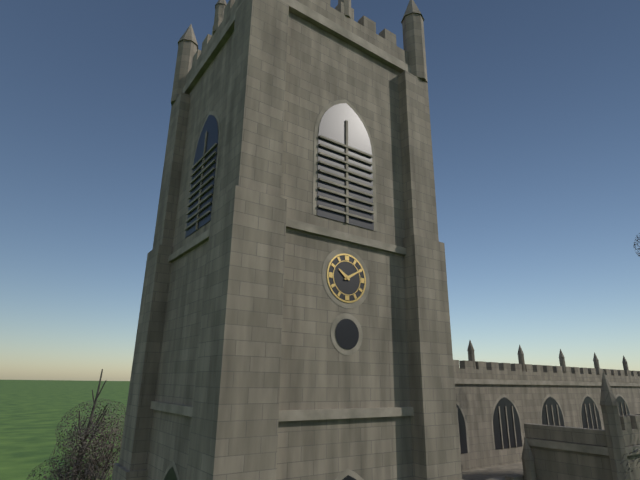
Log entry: 10h10
